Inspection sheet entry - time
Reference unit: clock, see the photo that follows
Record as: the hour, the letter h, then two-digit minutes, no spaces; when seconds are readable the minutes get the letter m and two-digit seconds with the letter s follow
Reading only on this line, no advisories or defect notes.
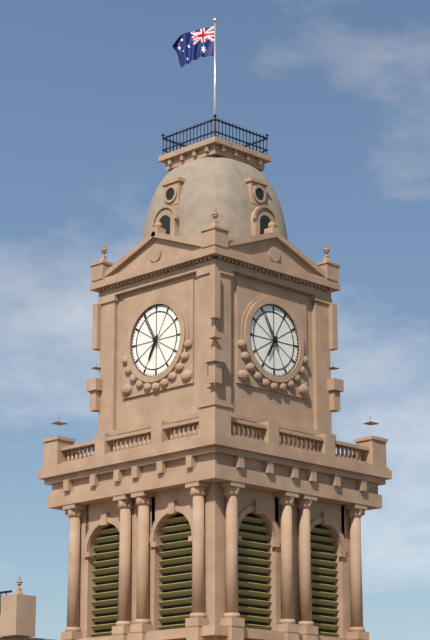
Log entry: 6h55
